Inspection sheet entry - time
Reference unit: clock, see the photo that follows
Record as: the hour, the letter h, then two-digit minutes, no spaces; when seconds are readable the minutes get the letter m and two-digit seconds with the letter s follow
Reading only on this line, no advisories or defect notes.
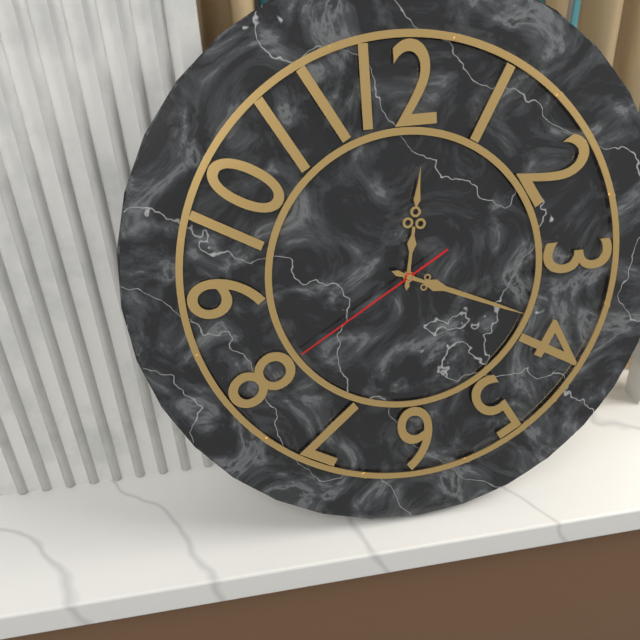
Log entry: 12h19m40s
